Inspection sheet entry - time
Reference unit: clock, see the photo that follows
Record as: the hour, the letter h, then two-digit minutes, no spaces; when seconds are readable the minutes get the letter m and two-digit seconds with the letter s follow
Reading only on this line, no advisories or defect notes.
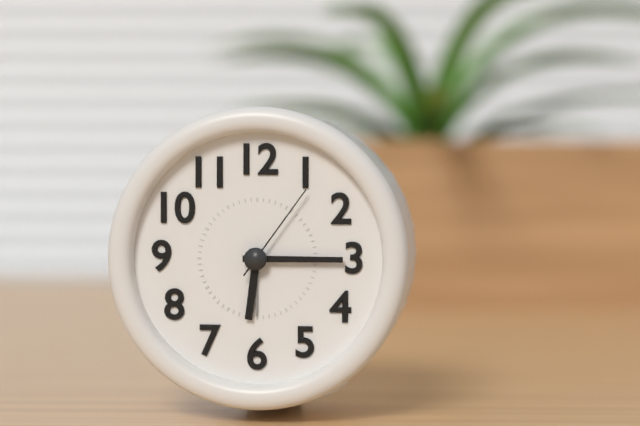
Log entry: 6h15m06s
